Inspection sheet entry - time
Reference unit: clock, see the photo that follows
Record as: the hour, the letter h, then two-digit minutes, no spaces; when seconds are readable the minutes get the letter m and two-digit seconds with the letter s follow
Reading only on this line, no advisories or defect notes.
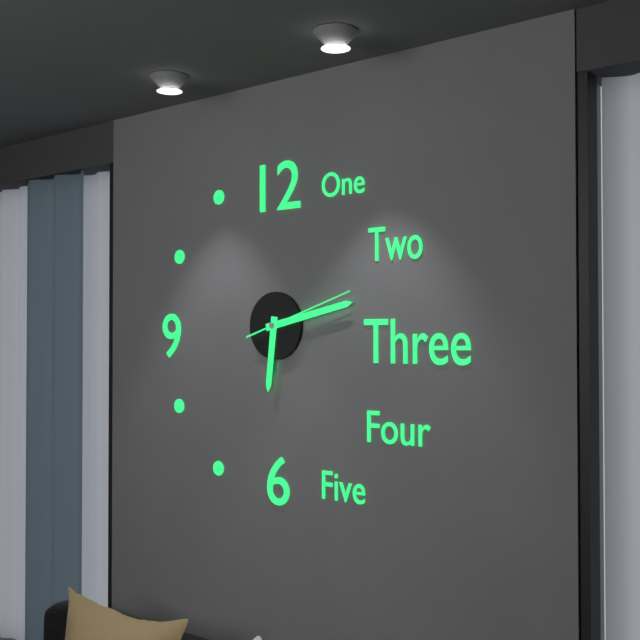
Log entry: 6h13m12s
